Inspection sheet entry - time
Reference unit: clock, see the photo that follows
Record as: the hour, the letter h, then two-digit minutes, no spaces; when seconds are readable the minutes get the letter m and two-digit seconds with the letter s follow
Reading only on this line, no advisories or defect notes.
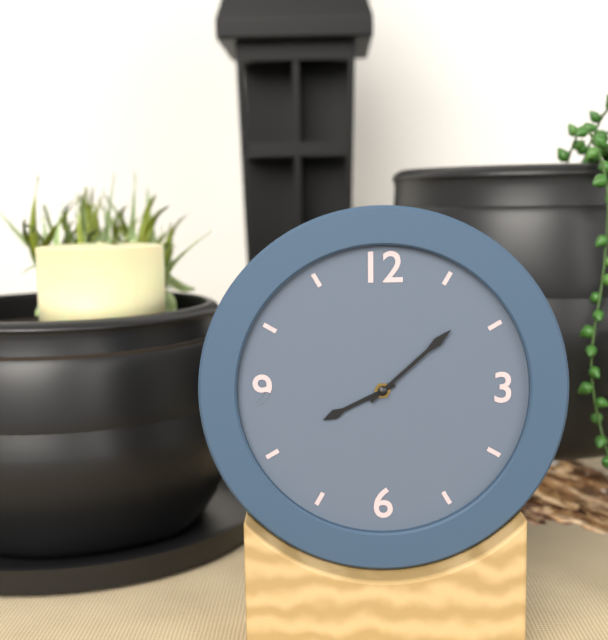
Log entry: 8h08
